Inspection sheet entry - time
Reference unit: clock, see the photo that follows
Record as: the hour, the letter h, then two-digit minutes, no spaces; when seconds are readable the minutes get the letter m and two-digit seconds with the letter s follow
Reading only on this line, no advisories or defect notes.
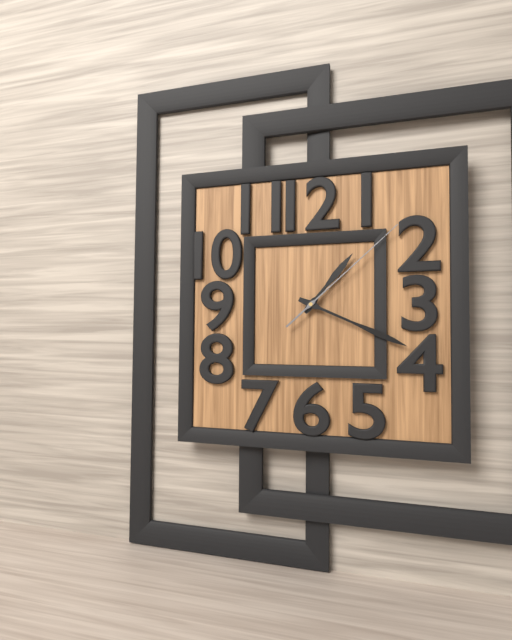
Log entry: 1h19m08s
